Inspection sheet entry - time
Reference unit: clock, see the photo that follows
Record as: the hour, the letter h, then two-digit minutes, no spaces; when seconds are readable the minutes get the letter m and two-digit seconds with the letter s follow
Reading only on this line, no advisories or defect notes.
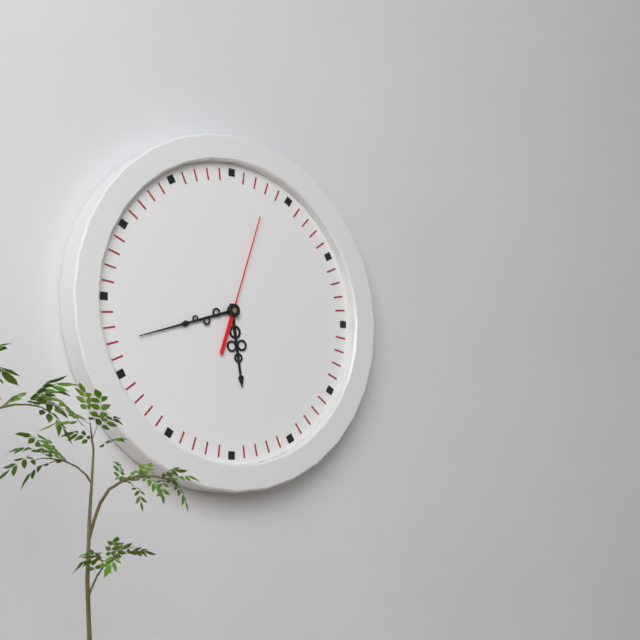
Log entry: 5h42m03s
